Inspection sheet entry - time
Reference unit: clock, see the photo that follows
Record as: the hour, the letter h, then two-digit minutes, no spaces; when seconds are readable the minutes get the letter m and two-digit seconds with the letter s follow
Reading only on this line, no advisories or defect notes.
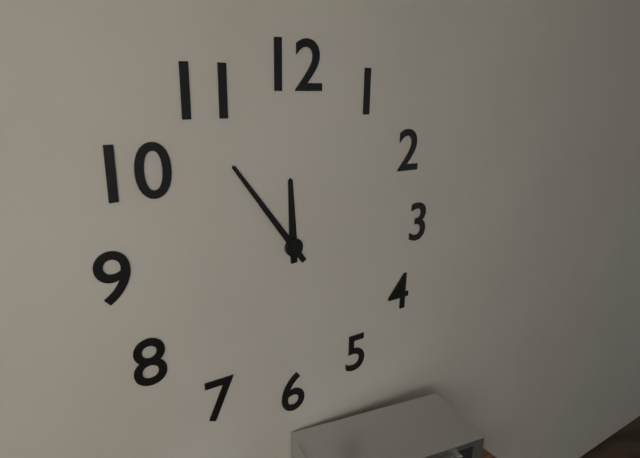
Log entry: 11h54
